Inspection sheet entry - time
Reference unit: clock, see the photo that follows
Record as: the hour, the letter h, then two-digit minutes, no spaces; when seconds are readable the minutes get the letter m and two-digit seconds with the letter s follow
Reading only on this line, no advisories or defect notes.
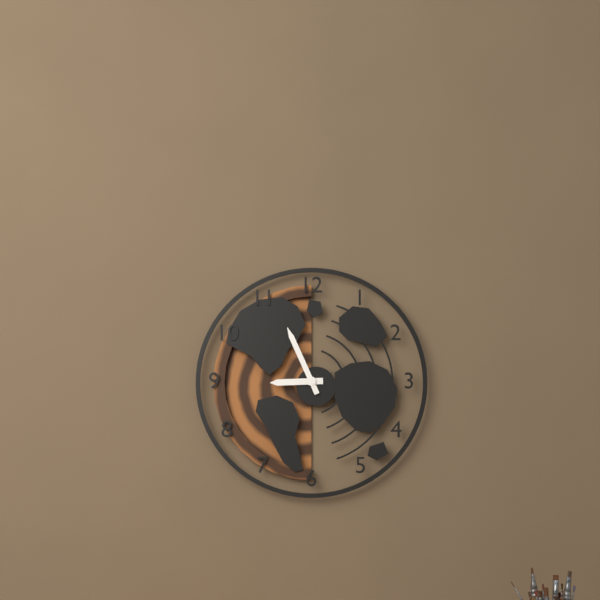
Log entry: 8h56
